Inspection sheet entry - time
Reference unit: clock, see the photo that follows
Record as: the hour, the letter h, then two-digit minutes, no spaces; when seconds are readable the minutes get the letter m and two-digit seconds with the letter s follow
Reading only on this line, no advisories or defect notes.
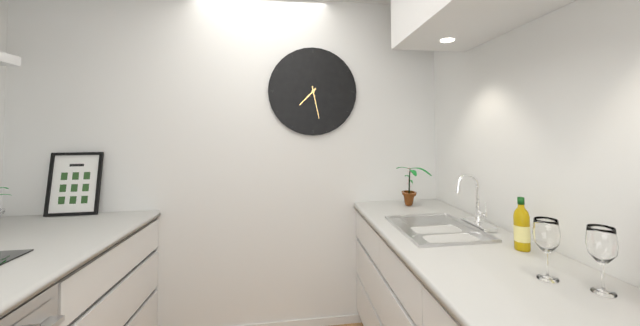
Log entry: 7h28
